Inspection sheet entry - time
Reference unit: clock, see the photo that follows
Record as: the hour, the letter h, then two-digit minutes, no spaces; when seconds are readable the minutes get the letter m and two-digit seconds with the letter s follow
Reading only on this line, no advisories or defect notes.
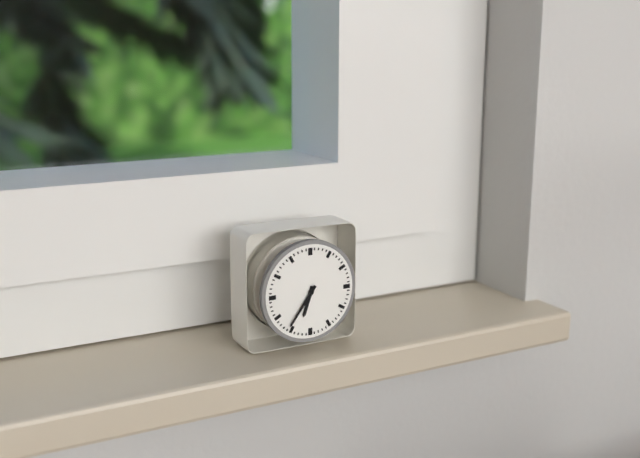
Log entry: 6h36
